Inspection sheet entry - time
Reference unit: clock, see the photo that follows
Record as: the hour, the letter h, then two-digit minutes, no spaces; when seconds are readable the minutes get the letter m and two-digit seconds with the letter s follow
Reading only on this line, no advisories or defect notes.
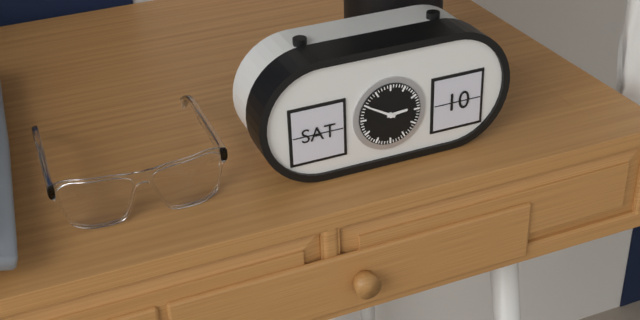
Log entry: 2h50
